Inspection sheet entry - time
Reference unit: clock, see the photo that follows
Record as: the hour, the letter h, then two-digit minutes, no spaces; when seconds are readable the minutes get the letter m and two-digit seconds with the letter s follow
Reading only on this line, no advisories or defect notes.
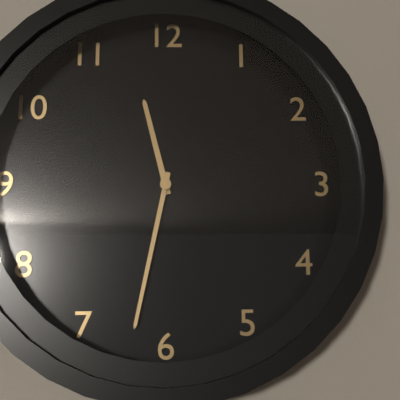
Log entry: 11h32
